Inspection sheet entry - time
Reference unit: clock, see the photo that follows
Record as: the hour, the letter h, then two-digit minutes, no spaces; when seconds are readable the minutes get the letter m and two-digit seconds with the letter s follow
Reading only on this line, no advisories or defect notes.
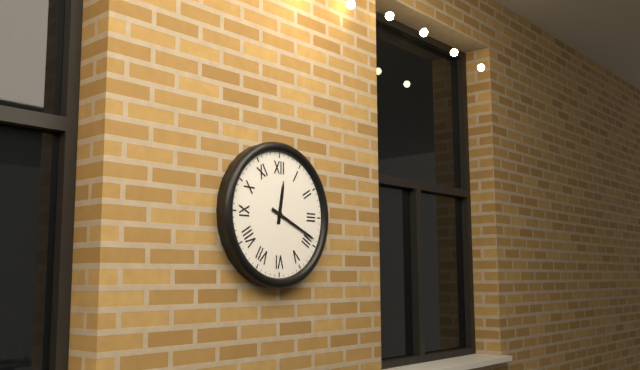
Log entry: 12h19
